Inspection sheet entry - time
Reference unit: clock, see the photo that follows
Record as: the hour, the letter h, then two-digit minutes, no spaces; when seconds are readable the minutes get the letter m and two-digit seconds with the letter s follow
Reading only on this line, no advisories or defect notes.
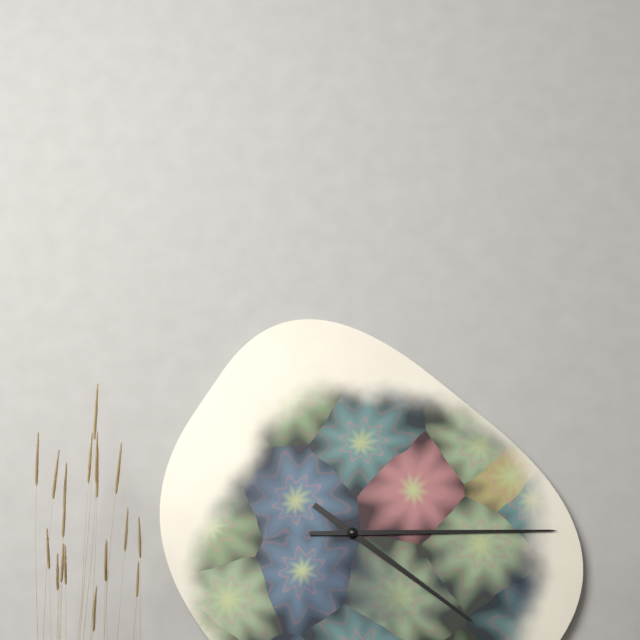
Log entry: 4h15
